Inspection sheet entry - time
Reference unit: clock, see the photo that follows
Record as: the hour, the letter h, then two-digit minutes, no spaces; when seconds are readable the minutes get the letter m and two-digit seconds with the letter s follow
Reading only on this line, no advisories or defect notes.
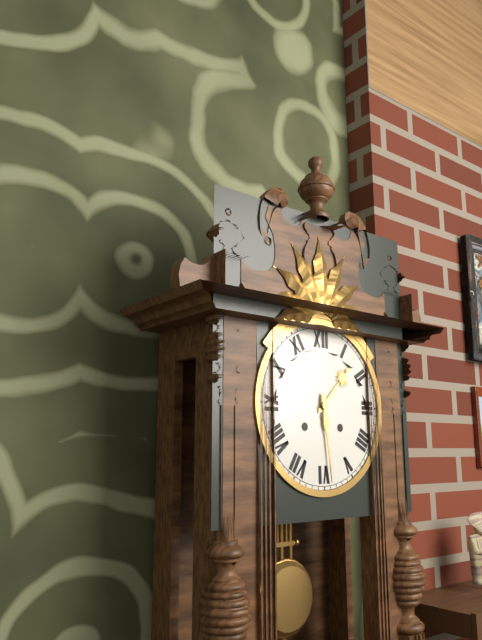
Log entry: 1h29
